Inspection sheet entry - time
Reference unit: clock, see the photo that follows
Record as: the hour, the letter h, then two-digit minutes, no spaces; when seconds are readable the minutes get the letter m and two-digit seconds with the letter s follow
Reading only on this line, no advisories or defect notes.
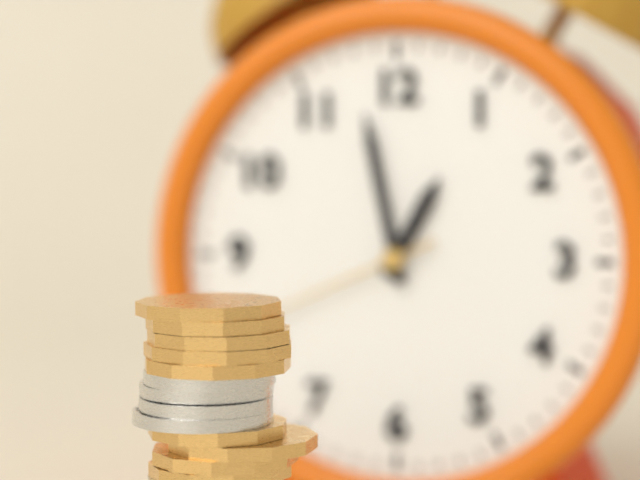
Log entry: 12h58m41s
